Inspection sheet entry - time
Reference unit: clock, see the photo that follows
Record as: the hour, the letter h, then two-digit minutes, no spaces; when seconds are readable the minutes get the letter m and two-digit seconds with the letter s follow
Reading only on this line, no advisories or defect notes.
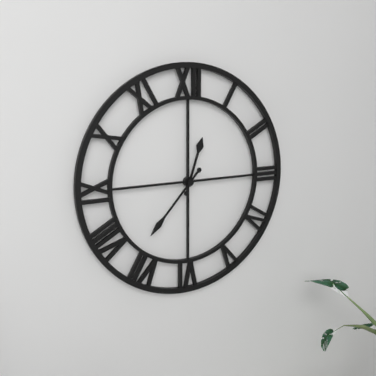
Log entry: 12h37
